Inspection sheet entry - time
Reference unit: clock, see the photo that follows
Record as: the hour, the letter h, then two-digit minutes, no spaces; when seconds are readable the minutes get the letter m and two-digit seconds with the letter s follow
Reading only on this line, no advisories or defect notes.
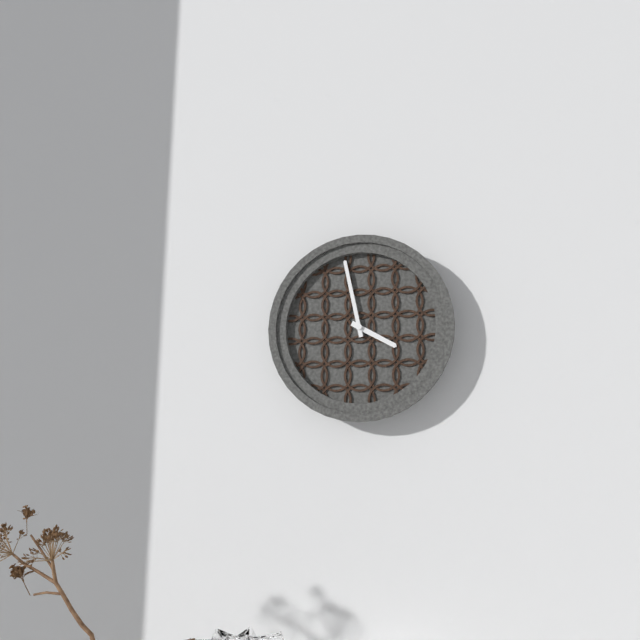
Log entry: 3h58
